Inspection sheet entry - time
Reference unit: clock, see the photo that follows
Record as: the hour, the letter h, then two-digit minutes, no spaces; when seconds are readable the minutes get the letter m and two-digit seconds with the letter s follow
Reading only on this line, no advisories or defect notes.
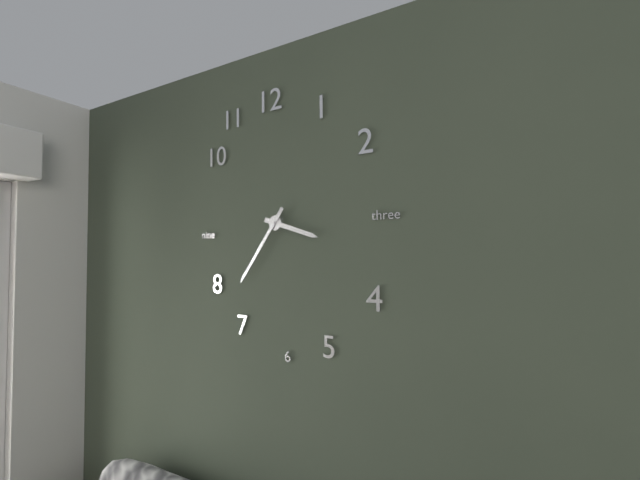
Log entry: 3h36
